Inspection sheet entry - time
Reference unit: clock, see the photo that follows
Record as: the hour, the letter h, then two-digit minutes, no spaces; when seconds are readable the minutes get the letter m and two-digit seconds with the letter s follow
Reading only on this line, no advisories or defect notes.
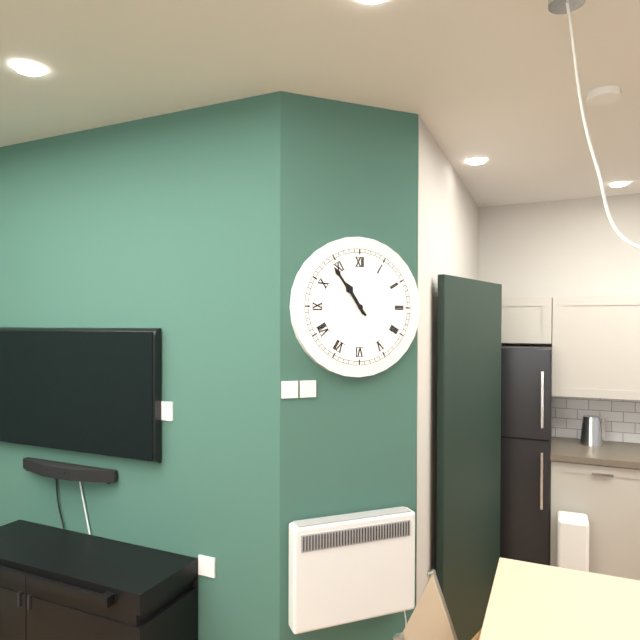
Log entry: 10h54
